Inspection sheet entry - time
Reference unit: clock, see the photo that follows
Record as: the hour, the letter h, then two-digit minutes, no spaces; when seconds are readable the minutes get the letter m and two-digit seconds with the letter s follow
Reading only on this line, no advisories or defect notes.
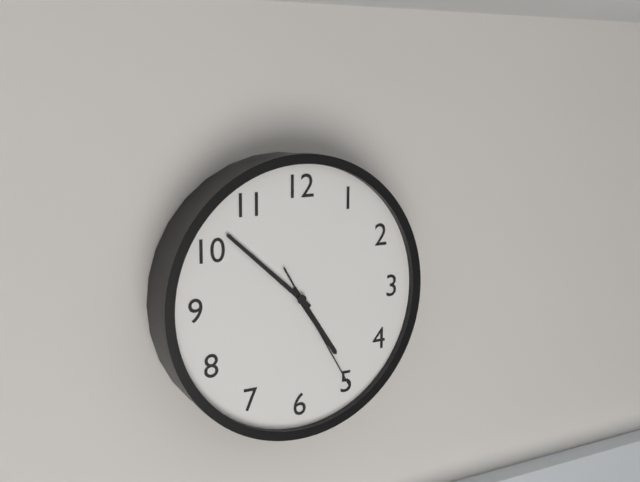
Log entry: 4h52m25s
